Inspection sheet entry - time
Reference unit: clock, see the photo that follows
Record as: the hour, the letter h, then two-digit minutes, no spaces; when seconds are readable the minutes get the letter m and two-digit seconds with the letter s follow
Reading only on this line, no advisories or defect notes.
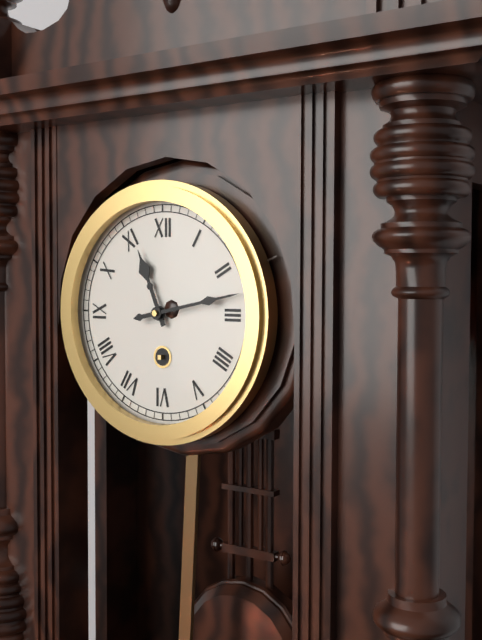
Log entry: 11h13
